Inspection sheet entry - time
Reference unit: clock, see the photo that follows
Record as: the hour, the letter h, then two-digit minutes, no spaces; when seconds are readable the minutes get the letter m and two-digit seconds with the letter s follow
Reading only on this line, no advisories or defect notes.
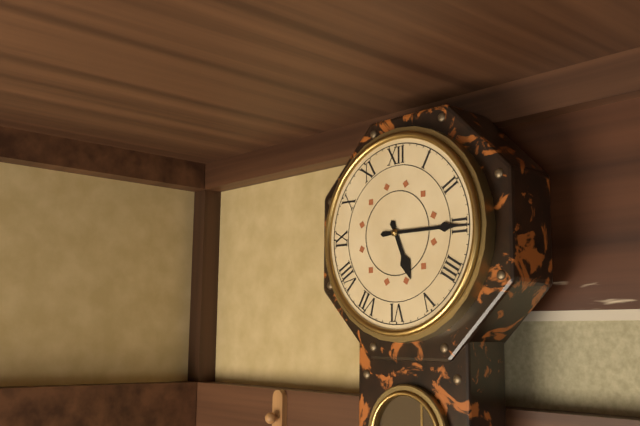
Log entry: 5h15
